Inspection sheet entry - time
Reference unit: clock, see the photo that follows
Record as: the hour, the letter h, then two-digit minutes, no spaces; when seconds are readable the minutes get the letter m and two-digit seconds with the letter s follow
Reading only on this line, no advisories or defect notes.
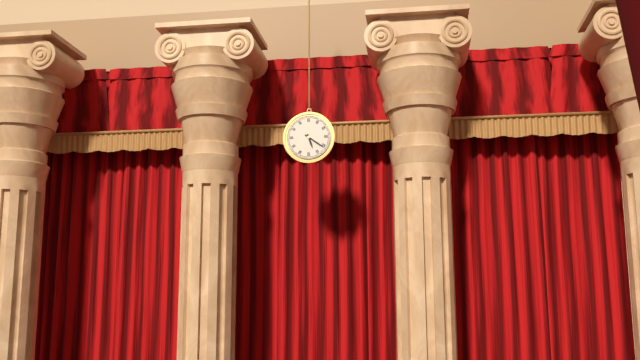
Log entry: 5h21
